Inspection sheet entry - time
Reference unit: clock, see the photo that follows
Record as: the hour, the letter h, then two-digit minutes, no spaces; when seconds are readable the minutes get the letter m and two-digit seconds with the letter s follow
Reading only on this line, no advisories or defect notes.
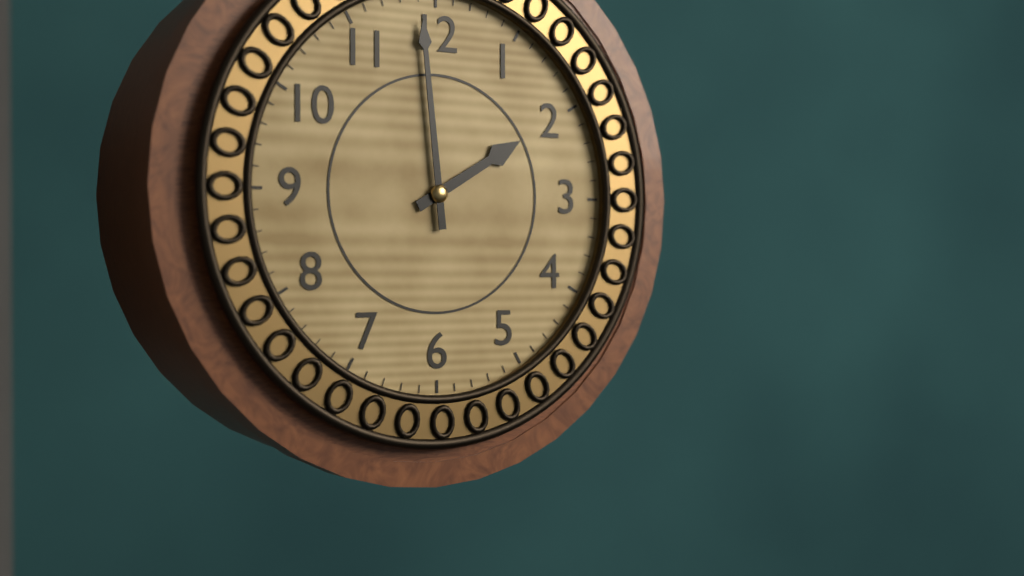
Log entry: 1h59
